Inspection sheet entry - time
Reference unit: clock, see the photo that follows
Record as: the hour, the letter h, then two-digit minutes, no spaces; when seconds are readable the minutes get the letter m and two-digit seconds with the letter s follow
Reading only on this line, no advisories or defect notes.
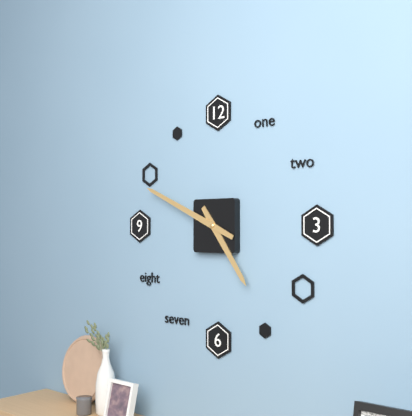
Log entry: 4h49
